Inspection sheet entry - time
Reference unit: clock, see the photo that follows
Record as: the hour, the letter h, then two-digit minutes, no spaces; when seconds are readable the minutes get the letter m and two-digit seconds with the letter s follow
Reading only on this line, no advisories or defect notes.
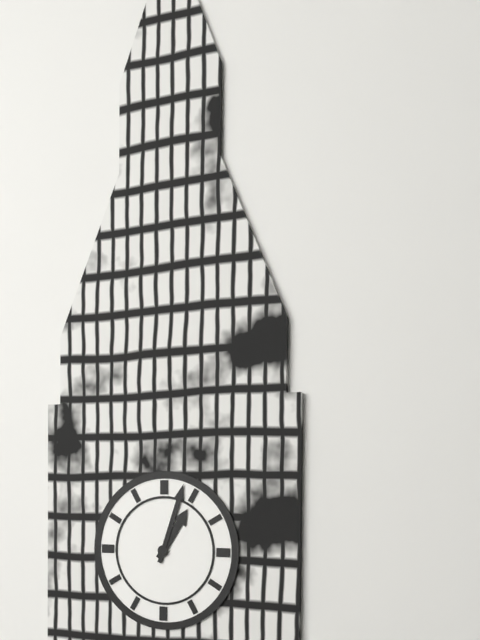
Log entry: 1h03
